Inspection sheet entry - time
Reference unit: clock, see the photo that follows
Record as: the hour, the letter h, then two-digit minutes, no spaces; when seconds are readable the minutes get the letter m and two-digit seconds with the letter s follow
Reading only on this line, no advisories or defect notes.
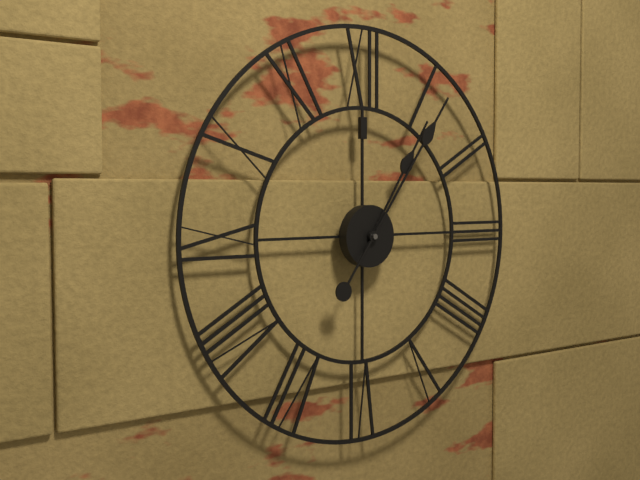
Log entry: 1h06
